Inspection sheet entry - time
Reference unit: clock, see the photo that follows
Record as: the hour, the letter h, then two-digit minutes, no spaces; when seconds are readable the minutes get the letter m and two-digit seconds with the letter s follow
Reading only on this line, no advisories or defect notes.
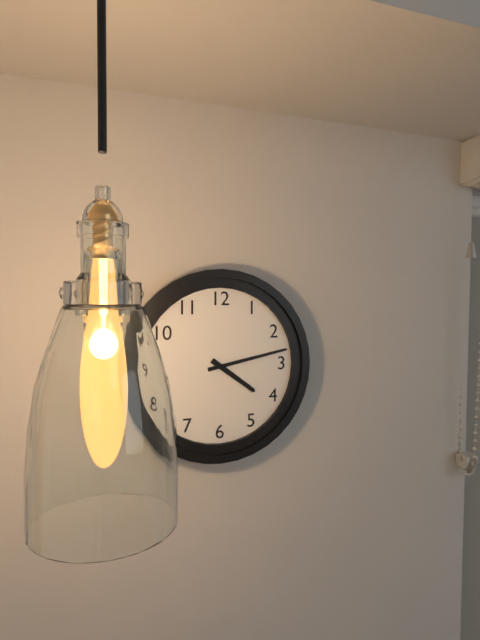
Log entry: 4h13
